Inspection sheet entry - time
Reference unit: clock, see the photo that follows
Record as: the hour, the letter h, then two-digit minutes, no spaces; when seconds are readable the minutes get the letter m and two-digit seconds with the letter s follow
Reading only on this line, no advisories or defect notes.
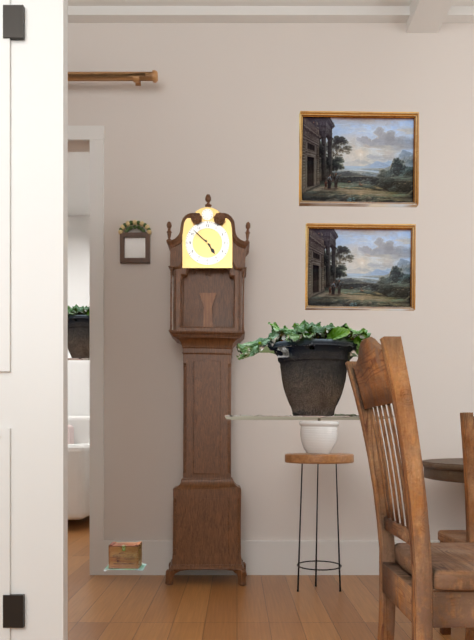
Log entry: 4h52
